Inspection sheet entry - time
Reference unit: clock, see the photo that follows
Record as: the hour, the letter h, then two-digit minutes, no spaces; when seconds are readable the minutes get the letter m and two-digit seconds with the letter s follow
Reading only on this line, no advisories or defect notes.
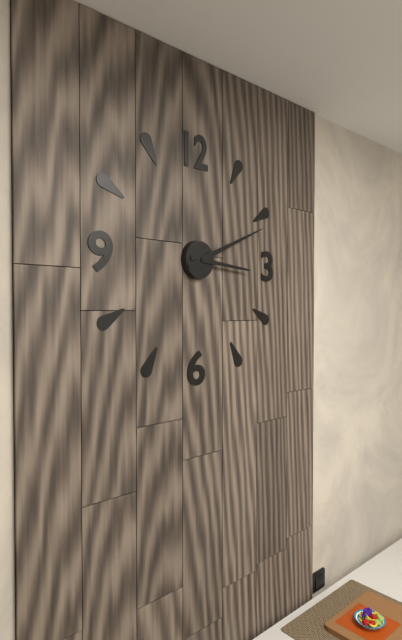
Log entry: 3h11
